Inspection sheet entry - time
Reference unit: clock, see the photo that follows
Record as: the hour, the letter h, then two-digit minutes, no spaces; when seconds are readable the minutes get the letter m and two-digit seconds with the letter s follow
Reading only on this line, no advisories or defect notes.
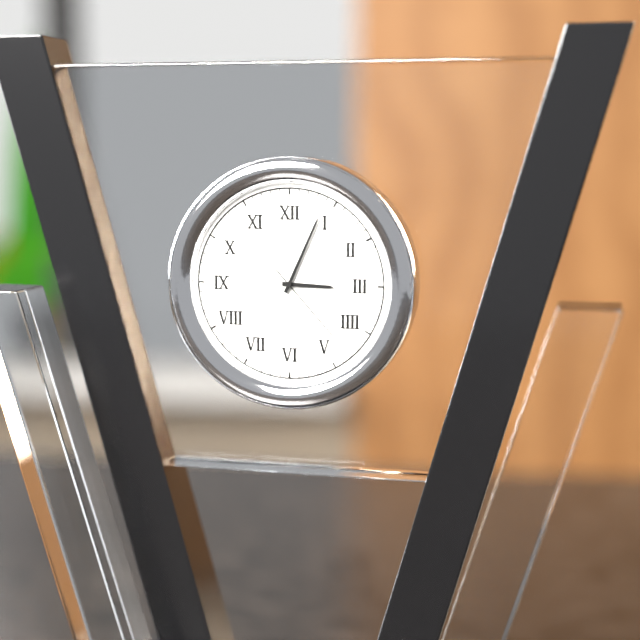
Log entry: 3h04m23s
